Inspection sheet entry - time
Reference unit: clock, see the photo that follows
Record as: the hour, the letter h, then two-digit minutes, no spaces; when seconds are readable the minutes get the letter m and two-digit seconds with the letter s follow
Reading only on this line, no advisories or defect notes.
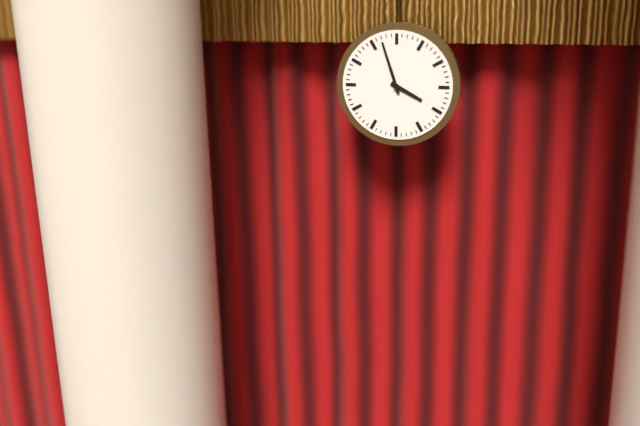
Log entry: 3h57
